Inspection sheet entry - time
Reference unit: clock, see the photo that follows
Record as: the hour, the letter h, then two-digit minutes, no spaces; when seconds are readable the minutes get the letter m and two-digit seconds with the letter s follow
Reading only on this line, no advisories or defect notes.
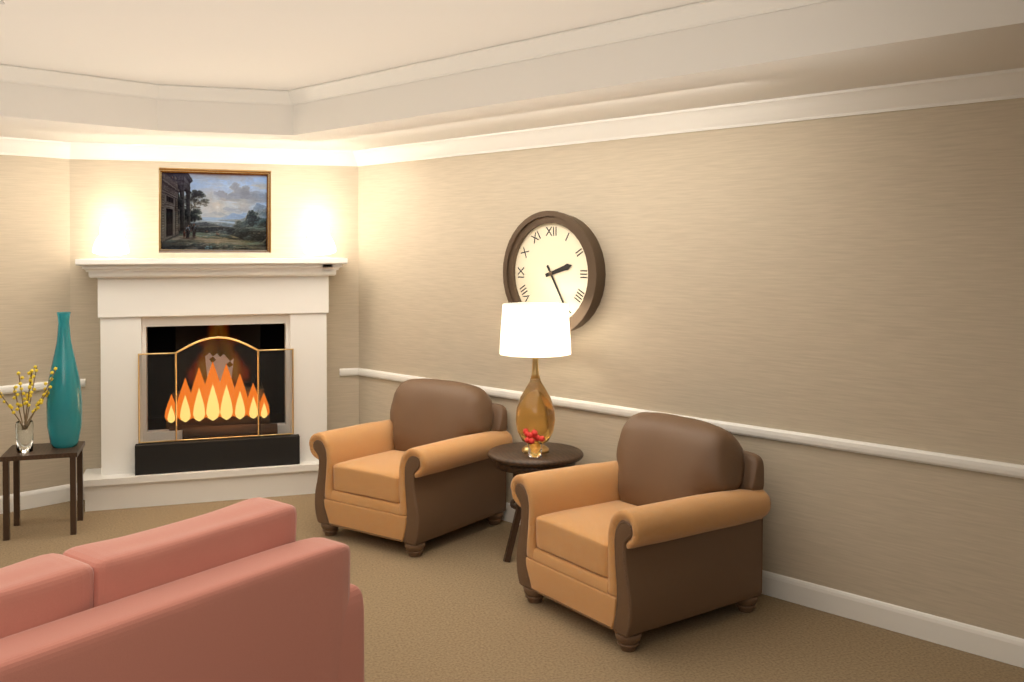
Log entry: 2h25
